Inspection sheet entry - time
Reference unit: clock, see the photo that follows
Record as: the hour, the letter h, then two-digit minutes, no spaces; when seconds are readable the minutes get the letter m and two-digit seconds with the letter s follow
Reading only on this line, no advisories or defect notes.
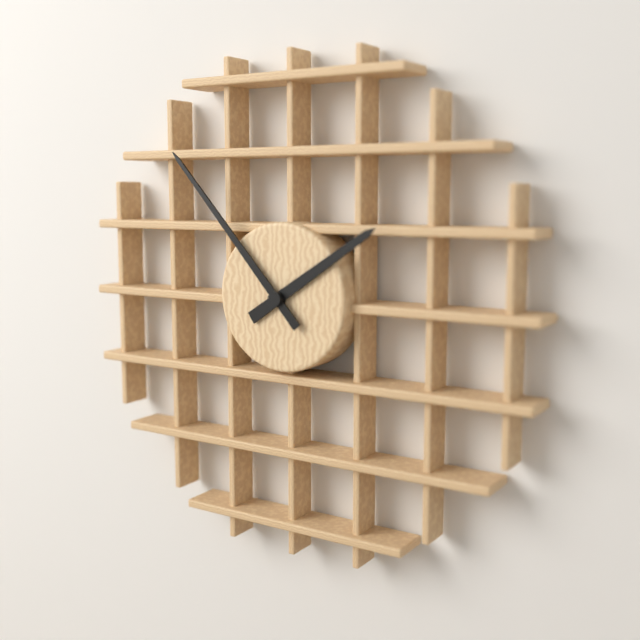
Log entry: 1h53
